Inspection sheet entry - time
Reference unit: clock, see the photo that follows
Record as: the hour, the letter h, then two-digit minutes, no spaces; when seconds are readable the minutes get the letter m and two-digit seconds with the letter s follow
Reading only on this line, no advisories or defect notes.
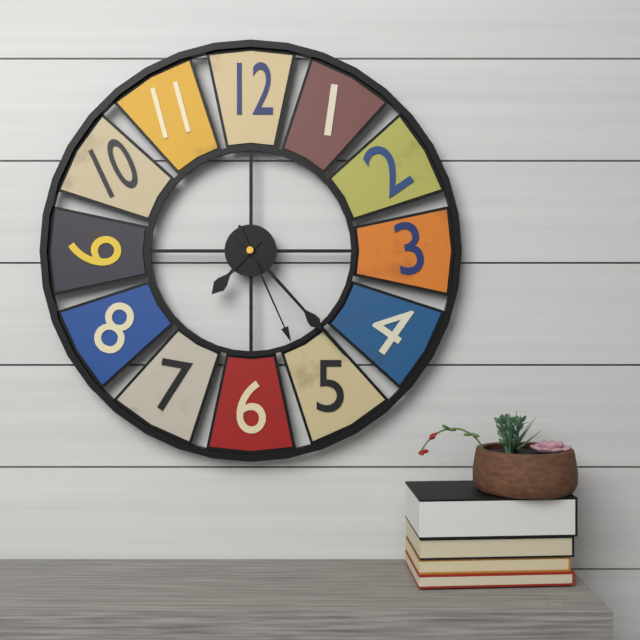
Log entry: 7h23m26s
